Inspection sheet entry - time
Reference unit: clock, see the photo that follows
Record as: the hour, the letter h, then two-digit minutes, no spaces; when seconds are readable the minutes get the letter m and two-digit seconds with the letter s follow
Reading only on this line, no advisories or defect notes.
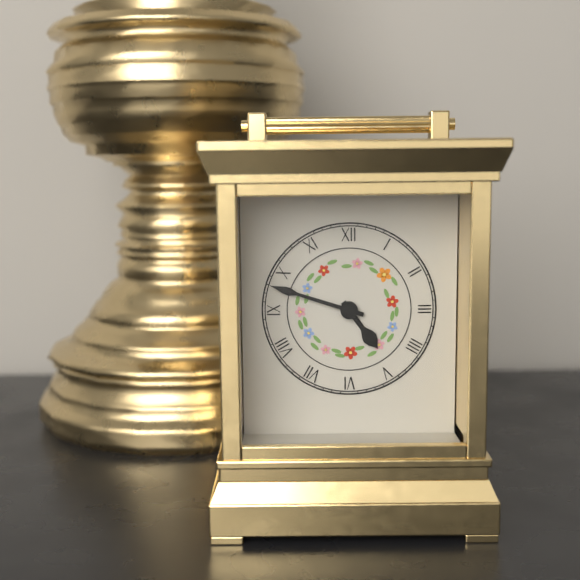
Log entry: 4h48
